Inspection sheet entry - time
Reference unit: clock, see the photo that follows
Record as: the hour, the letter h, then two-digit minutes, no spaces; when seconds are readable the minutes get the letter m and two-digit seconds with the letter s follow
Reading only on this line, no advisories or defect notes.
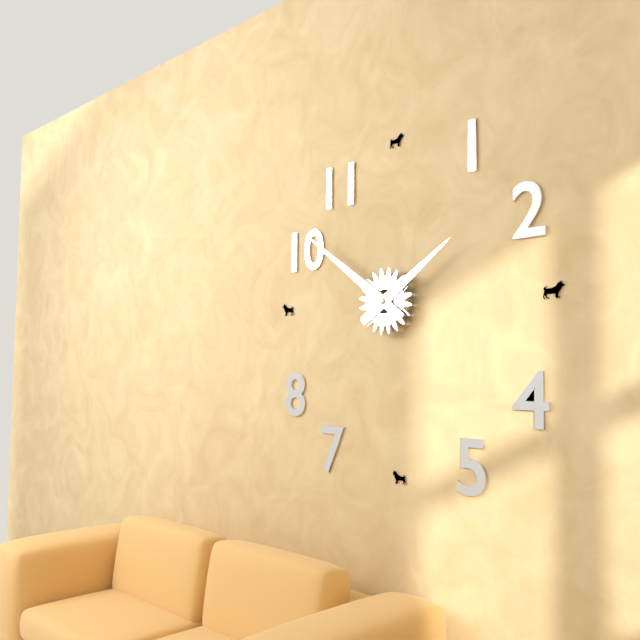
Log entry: 1h51
